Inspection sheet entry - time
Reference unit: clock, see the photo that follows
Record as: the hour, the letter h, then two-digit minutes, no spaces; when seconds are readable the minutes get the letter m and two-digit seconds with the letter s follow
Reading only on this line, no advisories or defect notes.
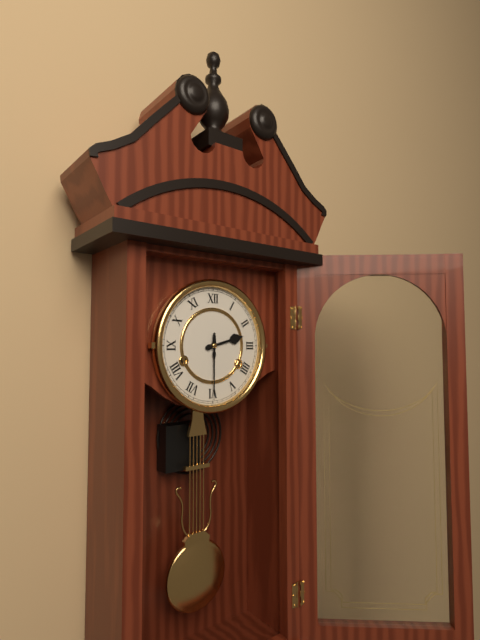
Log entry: 2h30
